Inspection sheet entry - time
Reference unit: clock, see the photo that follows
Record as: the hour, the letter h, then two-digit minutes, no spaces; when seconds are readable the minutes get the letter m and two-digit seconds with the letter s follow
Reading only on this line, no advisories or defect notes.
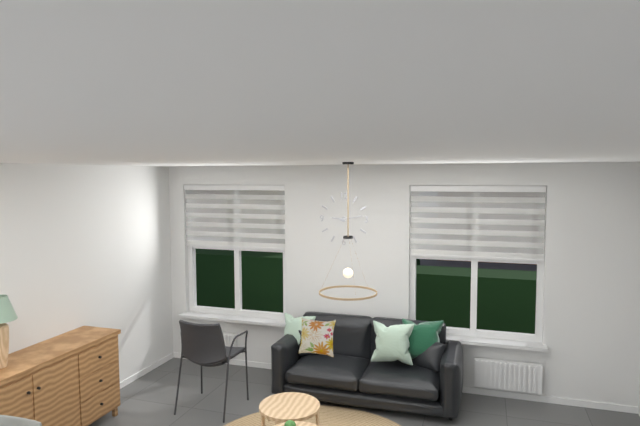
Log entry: 9h13
